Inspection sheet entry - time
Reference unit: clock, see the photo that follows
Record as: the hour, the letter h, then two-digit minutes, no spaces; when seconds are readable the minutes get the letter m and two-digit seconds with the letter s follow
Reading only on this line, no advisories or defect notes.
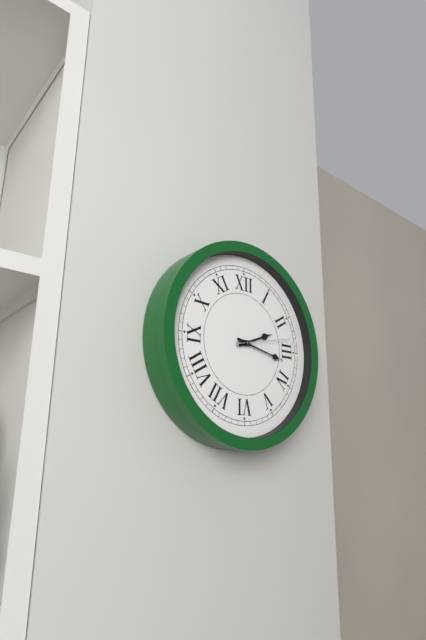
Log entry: 2h17m13s
